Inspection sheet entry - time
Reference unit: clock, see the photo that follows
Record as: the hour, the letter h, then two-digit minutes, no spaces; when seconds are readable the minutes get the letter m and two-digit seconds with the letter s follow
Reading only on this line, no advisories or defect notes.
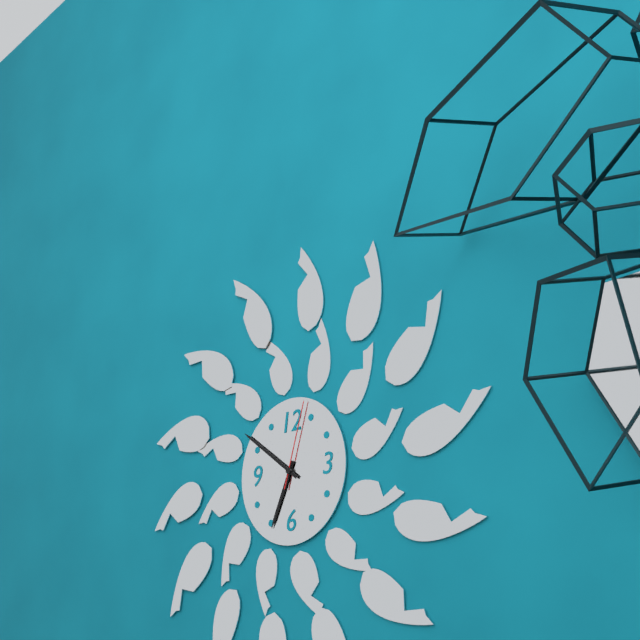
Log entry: 6h51m03s
